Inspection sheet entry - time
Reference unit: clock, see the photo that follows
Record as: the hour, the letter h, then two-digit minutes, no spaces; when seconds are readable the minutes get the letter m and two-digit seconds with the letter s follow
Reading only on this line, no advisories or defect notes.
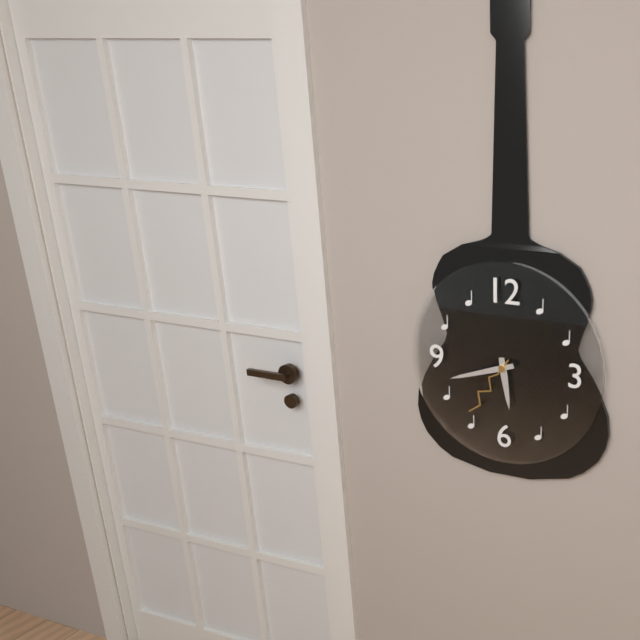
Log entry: 5h42m36s
